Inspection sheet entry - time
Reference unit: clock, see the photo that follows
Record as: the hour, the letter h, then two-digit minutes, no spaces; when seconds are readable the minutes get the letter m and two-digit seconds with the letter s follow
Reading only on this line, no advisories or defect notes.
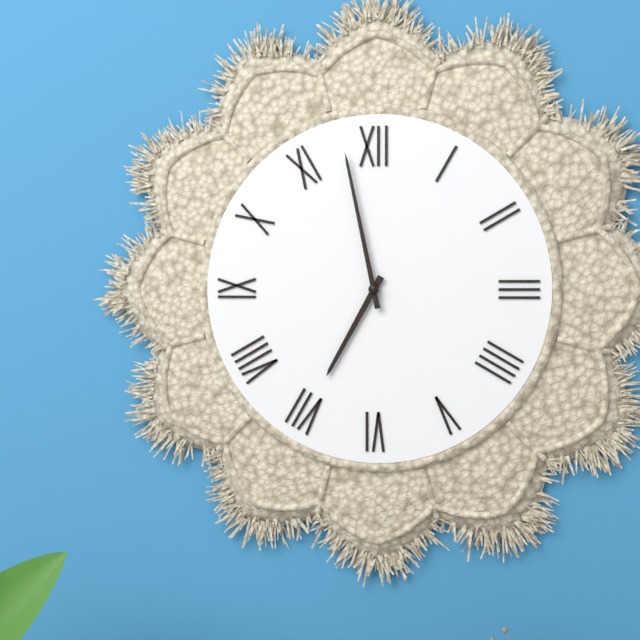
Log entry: 6h58
